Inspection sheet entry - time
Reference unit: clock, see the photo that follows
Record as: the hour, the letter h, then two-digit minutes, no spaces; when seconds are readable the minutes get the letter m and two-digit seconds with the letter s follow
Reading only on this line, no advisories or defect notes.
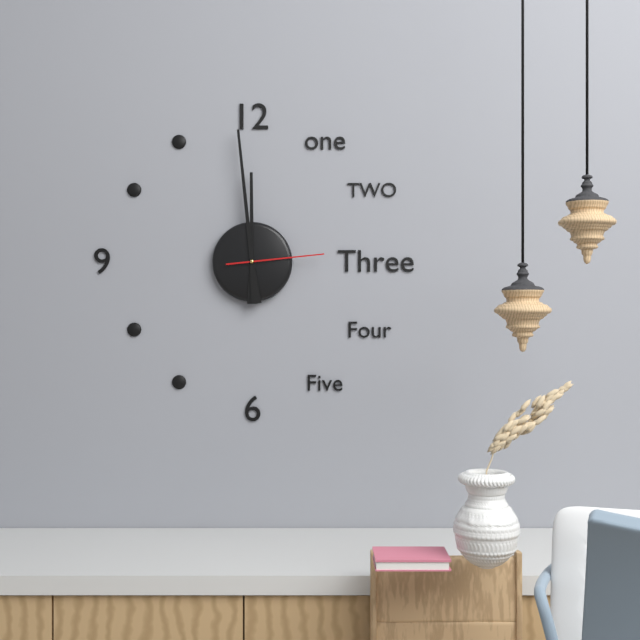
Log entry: 11h59m14s
